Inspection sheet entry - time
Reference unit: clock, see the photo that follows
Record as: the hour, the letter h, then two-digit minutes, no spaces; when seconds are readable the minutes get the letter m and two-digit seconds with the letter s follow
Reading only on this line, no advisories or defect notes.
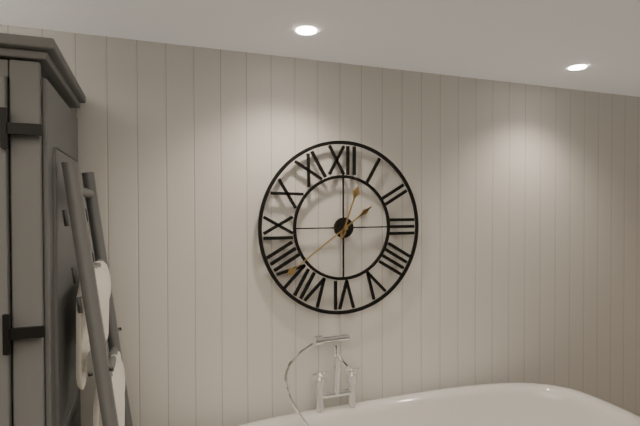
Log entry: 12h39
